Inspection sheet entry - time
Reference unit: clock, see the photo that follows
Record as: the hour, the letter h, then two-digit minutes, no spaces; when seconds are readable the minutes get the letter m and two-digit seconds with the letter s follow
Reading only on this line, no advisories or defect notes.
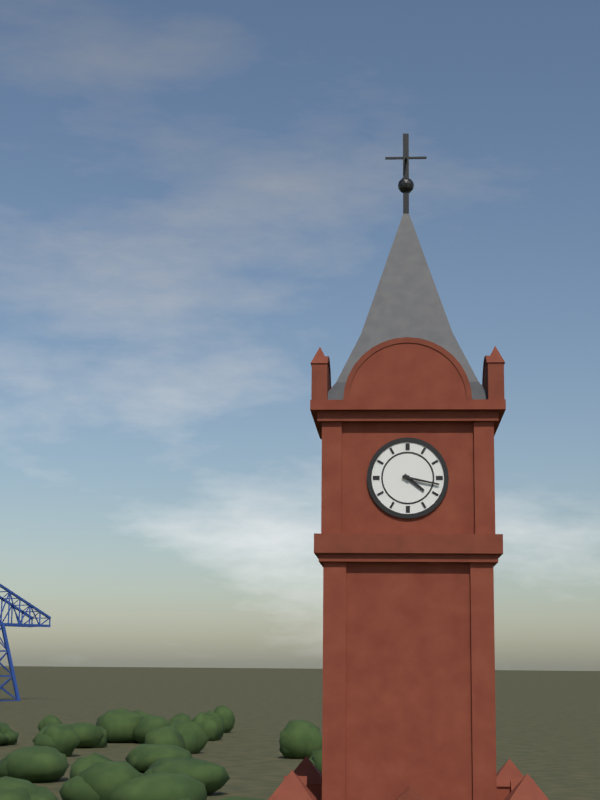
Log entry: 4h17
